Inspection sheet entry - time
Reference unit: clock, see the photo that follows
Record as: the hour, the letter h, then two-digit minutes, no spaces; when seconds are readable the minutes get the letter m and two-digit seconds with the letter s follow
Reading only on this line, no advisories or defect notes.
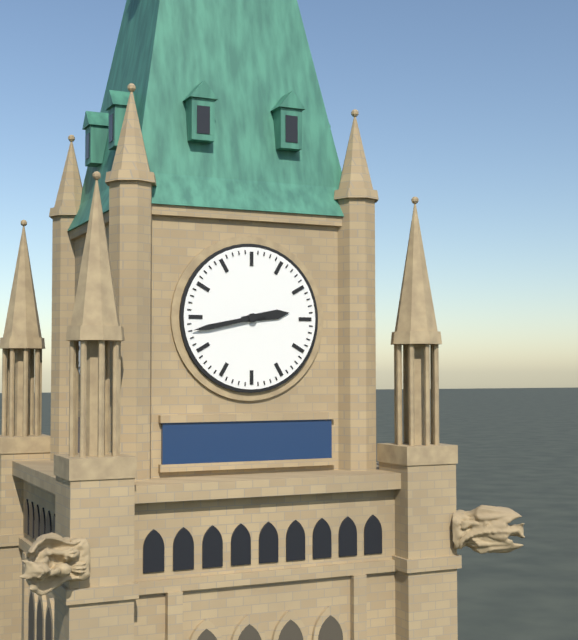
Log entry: 2h43
